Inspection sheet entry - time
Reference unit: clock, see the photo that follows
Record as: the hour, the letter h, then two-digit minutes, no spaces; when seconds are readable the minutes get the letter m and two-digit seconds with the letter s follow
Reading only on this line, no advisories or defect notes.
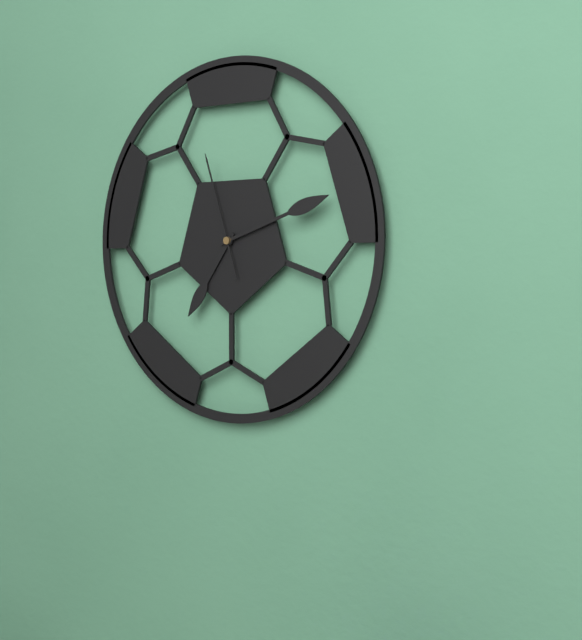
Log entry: 7h12m57s
